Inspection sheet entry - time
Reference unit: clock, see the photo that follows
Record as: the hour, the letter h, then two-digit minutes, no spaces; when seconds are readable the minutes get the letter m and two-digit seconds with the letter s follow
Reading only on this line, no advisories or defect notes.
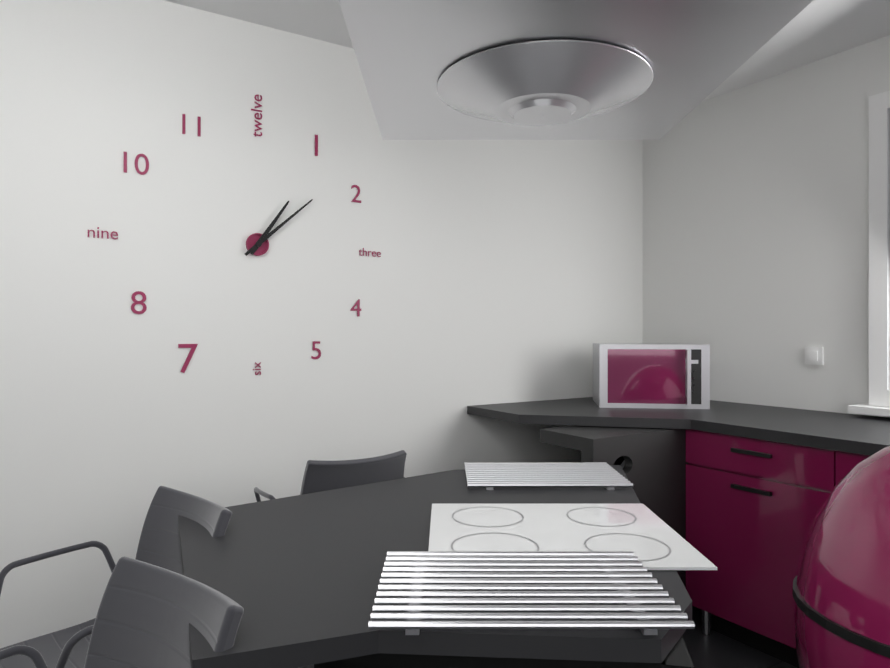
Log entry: 1h08
